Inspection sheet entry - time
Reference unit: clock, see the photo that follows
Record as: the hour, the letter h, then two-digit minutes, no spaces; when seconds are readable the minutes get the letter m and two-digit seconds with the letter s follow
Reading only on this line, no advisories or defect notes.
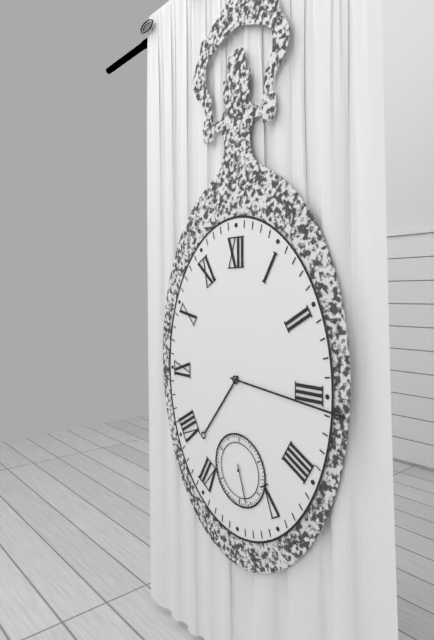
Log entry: 7h16
